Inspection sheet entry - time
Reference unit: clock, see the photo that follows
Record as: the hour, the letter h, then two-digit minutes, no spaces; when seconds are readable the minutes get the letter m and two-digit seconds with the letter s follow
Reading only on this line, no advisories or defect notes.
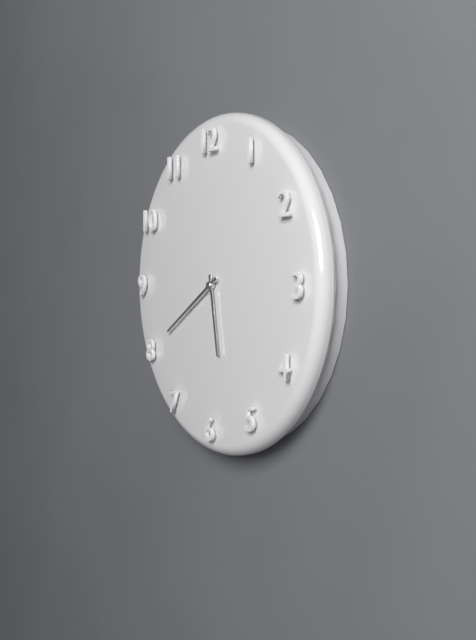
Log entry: 5h40
